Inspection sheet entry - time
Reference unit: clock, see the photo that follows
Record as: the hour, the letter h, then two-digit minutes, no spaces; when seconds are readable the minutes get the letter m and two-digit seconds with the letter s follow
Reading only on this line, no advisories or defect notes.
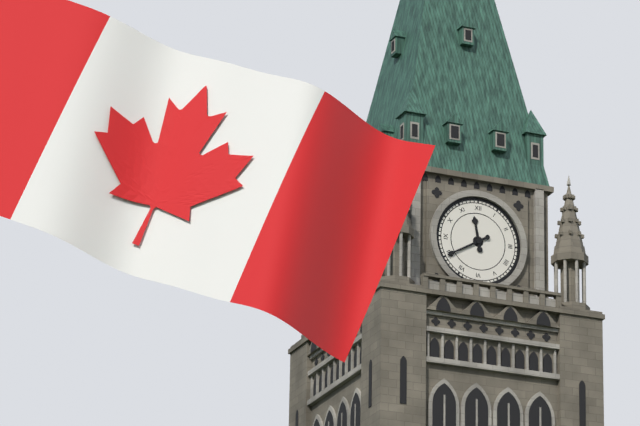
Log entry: 11h40
